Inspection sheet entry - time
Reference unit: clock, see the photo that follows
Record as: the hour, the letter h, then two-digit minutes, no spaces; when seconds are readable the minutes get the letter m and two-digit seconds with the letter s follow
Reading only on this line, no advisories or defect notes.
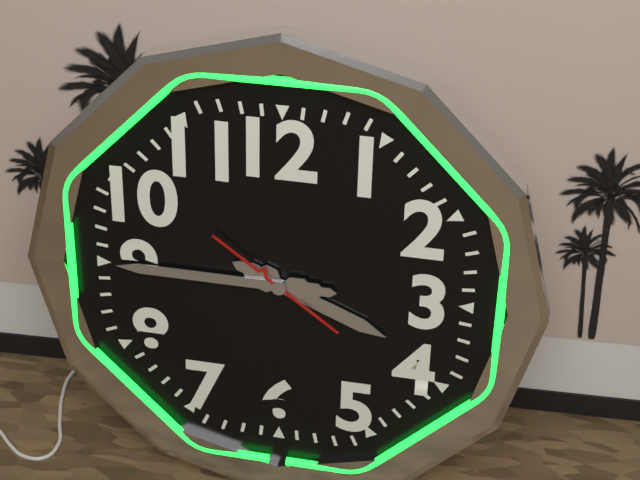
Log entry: 3h45m51s
